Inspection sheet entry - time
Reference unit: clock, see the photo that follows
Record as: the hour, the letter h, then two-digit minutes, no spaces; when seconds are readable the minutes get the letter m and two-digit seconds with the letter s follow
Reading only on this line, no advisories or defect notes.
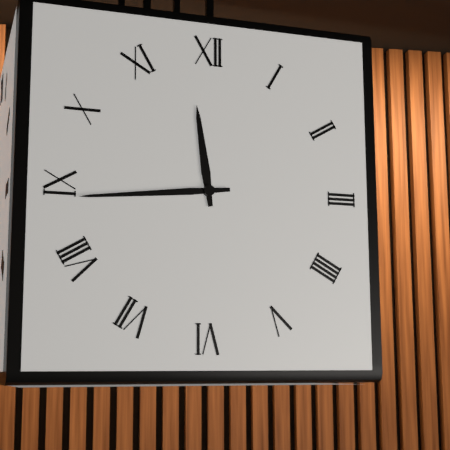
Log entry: 11h44
